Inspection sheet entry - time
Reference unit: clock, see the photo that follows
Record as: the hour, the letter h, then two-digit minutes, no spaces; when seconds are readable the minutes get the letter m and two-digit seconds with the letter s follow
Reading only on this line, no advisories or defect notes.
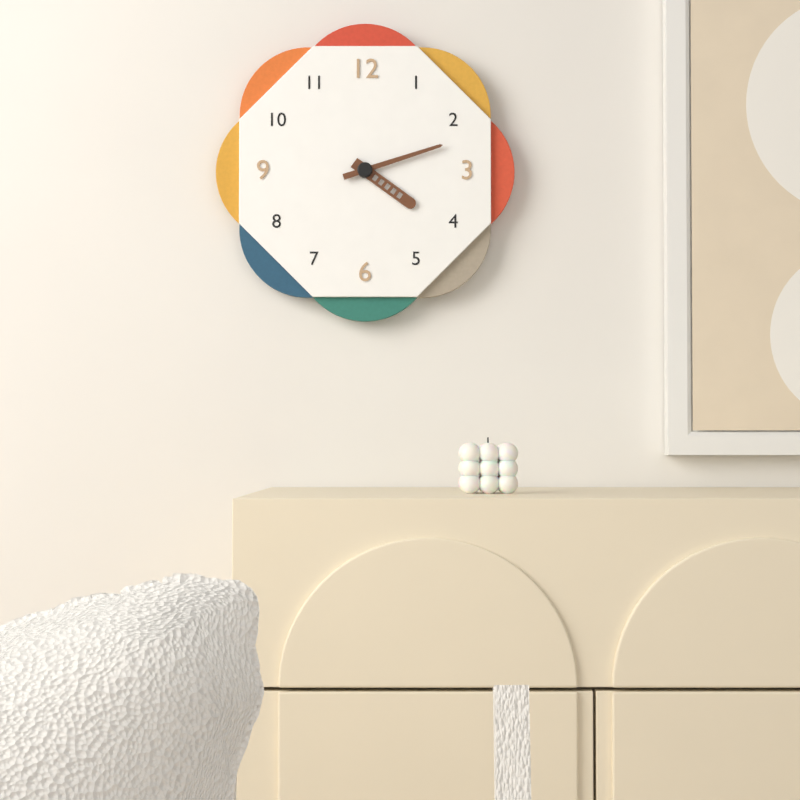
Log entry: 4h12
